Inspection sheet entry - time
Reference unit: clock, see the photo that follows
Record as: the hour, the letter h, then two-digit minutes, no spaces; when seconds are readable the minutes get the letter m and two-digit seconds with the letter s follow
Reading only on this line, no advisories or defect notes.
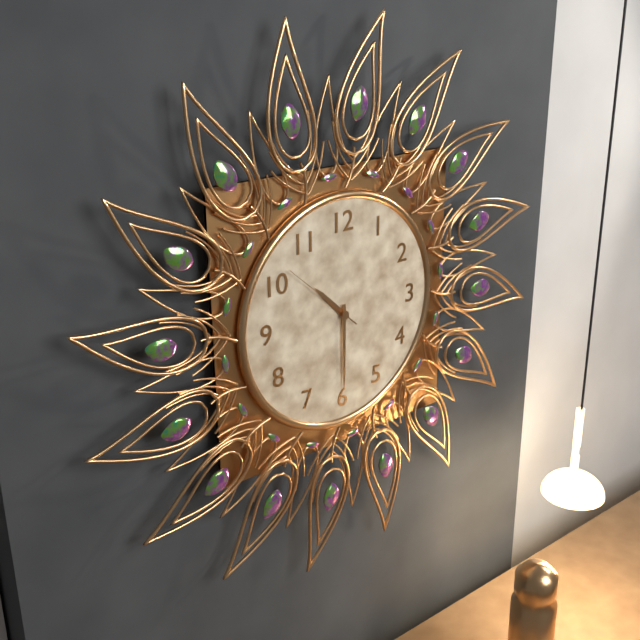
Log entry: 10h30m52s
